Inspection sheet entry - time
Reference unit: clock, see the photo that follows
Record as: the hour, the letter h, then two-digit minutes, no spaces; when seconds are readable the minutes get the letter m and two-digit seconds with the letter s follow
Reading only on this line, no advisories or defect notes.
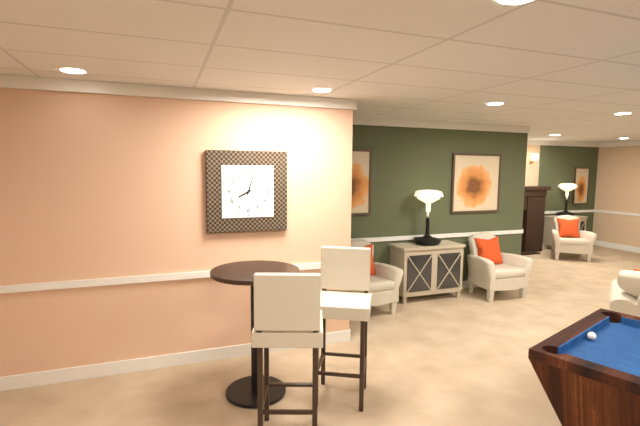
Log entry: 8h03
